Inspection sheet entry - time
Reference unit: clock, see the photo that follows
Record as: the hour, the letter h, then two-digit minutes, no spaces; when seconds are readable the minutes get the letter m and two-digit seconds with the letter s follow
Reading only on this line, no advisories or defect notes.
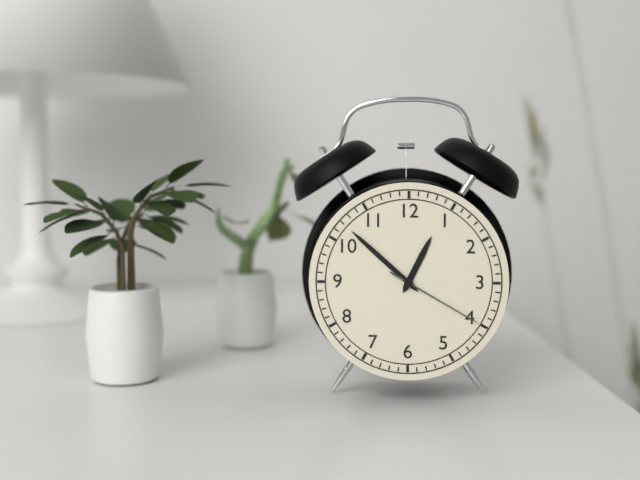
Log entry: 12h52m20s
